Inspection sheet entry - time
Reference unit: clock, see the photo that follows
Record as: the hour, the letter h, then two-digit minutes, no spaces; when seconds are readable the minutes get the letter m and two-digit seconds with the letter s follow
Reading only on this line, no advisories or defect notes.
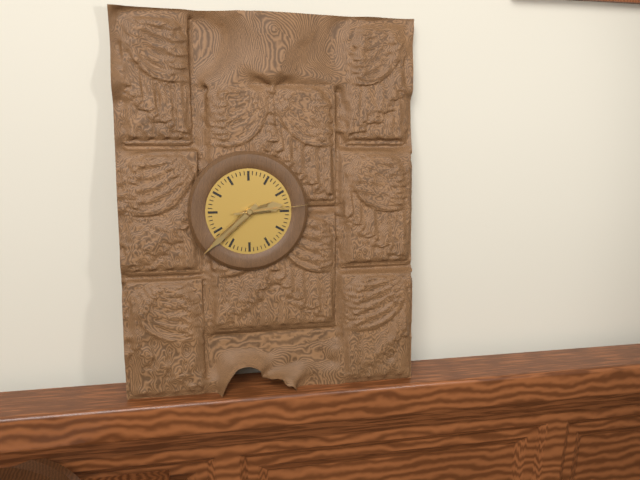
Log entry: 2h38m14s
